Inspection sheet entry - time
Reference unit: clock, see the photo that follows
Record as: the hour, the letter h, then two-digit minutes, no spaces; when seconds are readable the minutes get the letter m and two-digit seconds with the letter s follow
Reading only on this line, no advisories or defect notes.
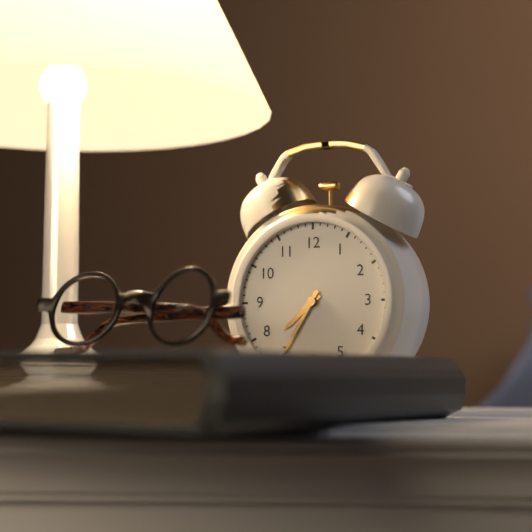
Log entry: 7h35
